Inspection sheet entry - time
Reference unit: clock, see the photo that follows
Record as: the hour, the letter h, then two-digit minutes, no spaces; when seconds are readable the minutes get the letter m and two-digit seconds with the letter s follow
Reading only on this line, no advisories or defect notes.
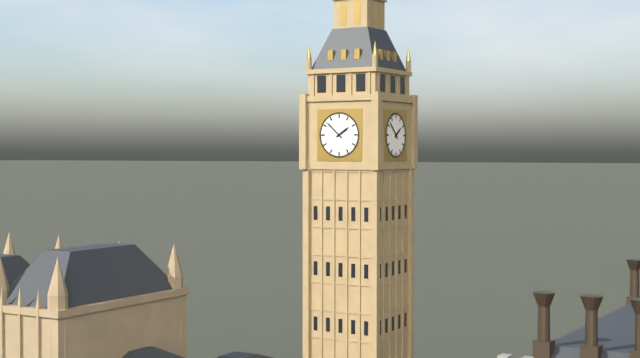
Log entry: 1h52
